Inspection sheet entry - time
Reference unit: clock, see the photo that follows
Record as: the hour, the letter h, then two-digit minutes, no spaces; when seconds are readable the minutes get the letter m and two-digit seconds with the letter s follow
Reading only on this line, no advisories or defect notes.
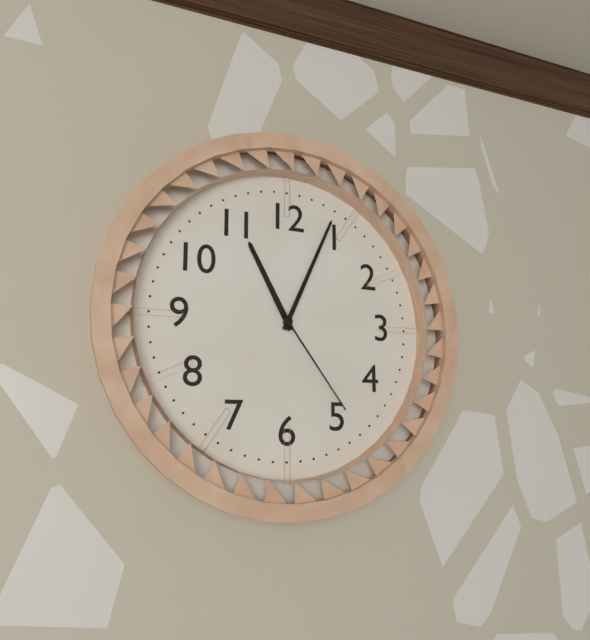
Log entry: 11h04m24s
